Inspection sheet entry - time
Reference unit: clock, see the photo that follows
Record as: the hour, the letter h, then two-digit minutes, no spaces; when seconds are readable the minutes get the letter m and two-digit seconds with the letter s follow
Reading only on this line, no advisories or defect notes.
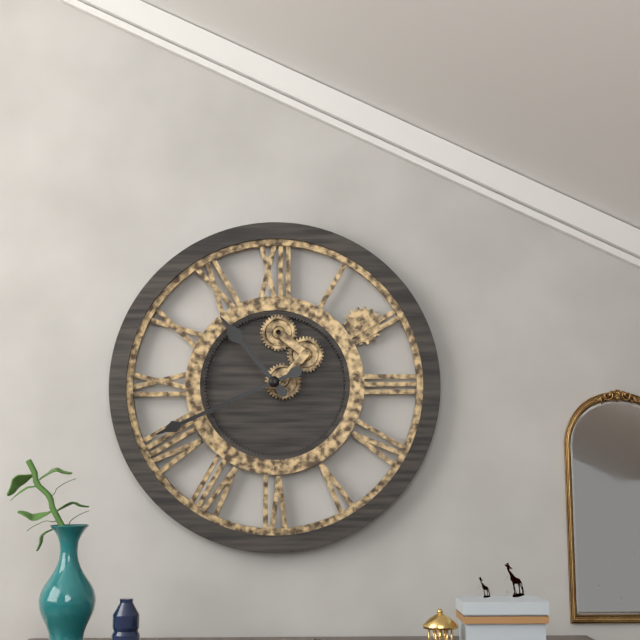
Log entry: 10h41
